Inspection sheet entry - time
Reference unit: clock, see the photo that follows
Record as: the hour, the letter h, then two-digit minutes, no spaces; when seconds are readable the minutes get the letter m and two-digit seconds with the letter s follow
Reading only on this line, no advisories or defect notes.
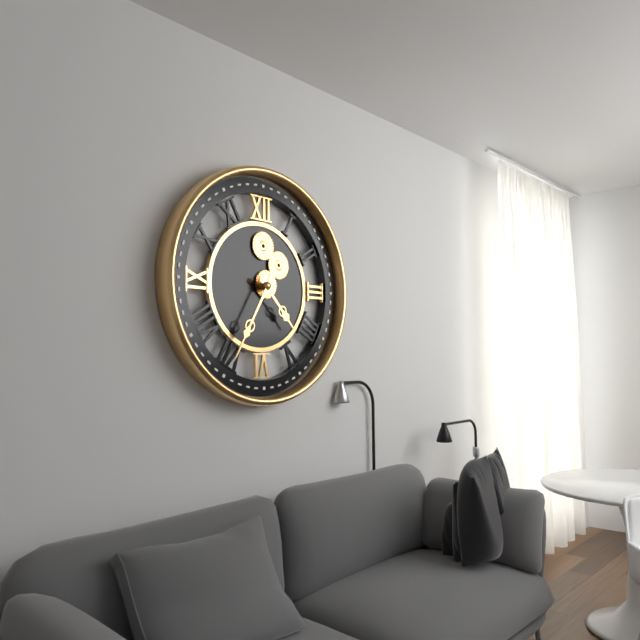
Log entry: 4h35
